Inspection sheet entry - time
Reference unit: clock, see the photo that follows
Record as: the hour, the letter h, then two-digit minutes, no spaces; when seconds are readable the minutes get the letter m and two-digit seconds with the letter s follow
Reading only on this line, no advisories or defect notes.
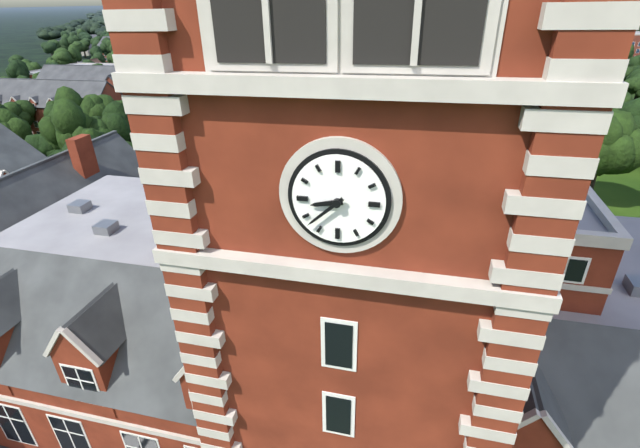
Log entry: 8h38
